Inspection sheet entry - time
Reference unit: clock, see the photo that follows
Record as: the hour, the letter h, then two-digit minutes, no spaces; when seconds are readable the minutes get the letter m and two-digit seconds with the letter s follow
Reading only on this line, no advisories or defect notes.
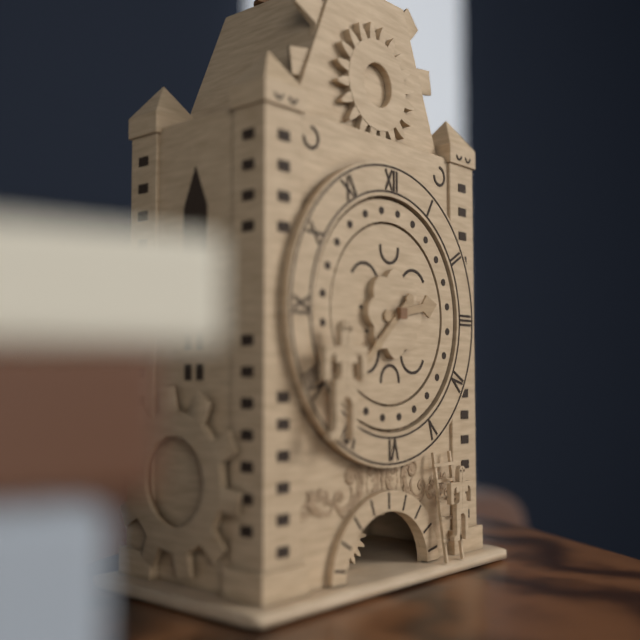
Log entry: 2h38
